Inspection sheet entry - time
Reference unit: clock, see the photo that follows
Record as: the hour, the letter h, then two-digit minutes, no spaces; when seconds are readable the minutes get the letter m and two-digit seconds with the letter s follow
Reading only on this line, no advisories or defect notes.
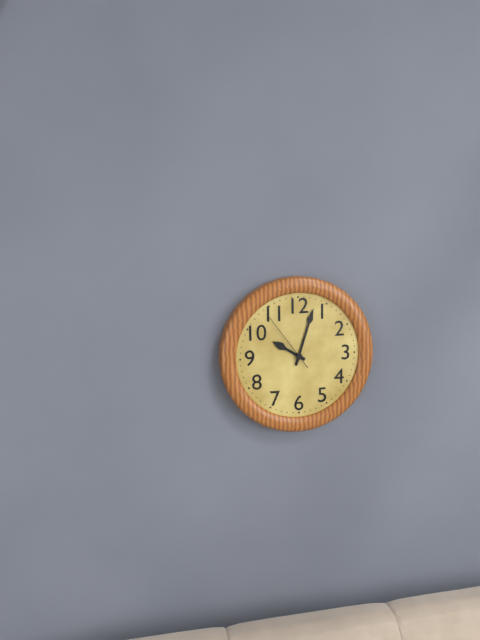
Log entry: 10h03m54s
